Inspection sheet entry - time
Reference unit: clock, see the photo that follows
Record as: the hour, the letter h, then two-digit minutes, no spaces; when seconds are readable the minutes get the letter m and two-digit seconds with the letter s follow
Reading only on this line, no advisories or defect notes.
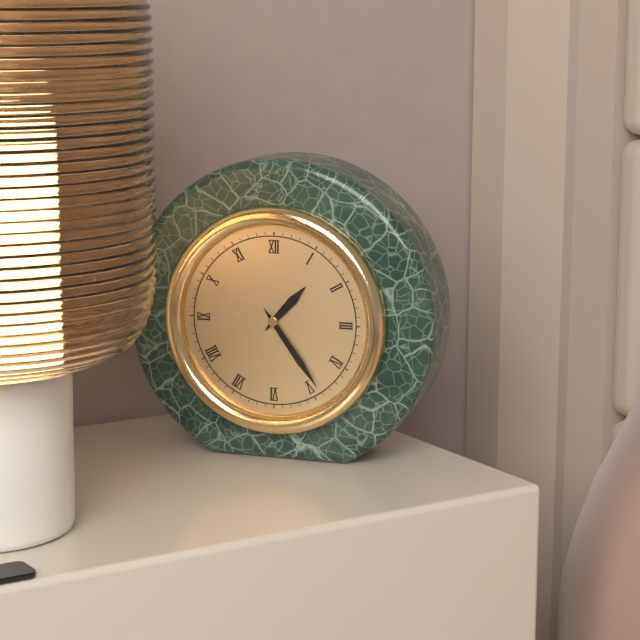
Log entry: 1h24
